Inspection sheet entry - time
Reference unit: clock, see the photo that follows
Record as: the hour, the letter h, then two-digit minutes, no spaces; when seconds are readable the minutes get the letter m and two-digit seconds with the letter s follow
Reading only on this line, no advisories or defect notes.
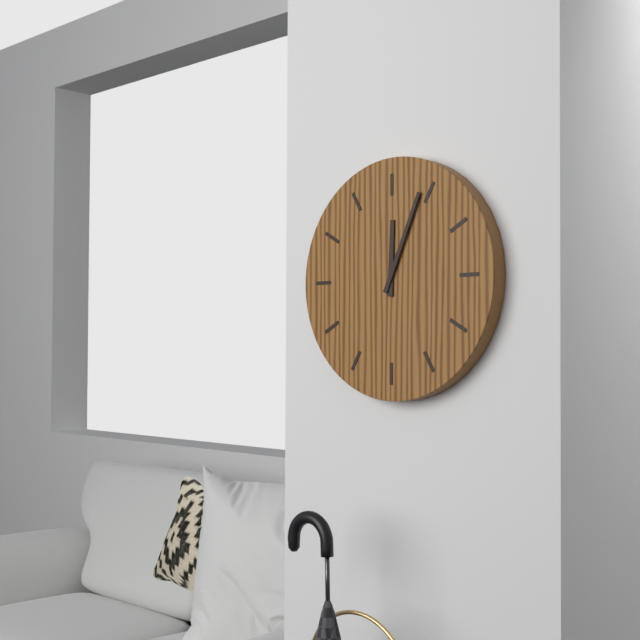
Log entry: 12h04
